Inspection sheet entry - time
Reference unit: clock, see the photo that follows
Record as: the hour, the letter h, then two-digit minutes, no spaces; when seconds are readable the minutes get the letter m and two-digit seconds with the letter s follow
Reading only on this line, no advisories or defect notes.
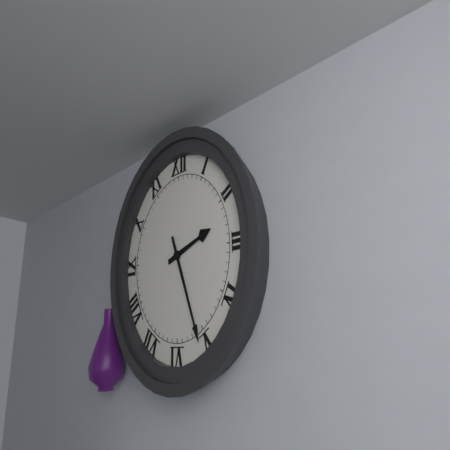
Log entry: 2h26
